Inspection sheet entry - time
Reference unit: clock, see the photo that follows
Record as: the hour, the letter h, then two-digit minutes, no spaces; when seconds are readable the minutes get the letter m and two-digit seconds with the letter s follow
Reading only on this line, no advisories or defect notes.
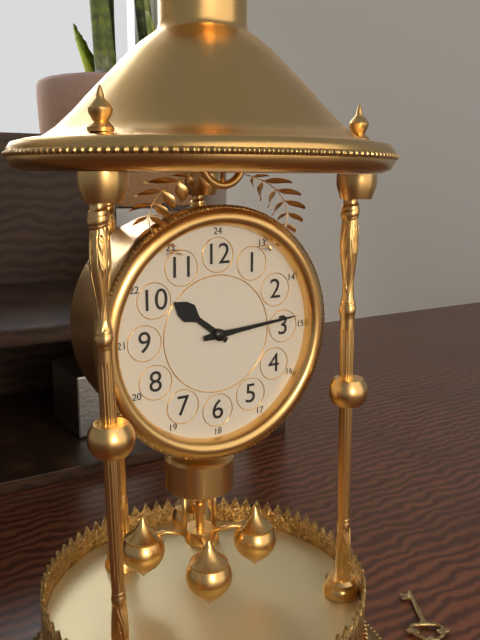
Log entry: 10h14
